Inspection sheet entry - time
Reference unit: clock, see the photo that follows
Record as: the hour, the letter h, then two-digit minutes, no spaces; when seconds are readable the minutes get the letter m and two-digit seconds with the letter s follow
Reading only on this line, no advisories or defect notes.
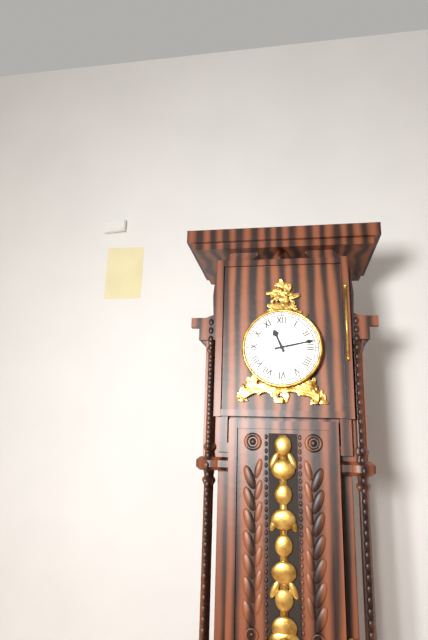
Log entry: 11h13
